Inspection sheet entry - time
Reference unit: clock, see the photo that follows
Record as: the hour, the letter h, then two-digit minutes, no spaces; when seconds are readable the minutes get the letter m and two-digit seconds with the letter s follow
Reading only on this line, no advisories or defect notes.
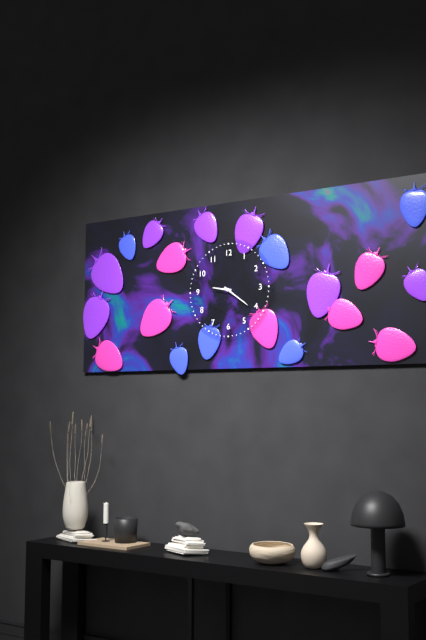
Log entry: 9h21
